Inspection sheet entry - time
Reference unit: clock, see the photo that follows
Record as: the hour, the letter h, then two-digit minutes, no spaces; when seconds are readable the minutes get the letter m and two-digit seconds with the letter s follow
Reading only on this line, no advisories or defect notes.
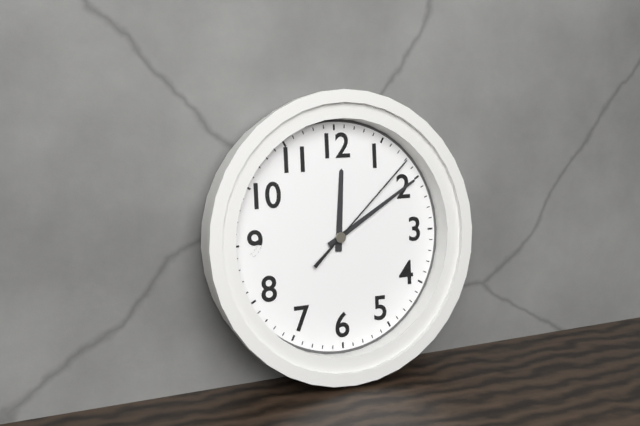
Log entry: 12h10m08s
